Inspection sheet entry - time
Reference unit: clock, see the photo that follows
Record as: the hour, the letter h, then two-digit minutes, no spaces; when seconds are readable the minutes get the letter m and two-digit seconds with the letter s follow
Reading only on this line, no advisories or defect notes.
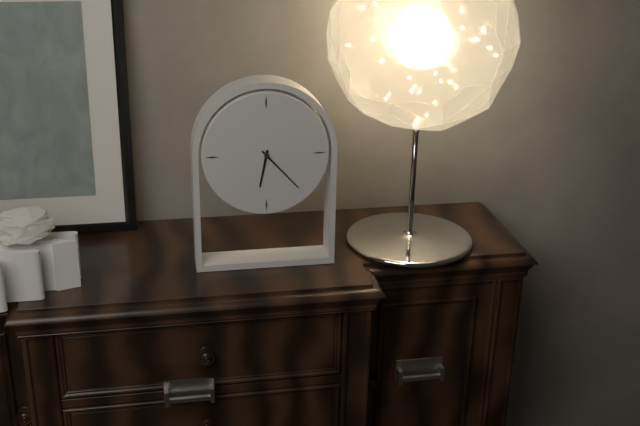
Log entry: 6h23
